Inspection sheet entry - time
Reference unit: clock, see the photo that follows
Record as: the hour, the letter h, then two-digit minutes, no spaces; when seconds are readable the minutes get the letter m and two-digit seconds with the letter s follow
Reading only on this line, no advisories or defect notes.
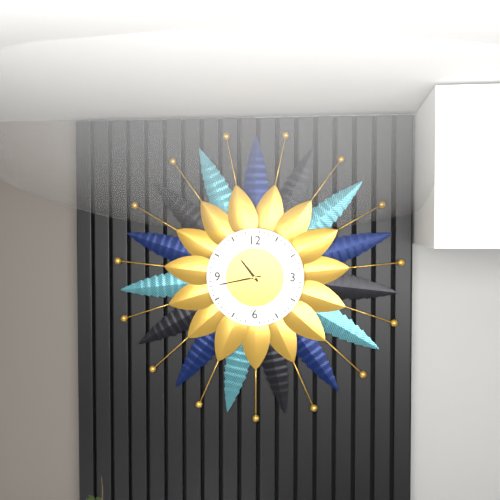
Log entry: 10h43m45s
